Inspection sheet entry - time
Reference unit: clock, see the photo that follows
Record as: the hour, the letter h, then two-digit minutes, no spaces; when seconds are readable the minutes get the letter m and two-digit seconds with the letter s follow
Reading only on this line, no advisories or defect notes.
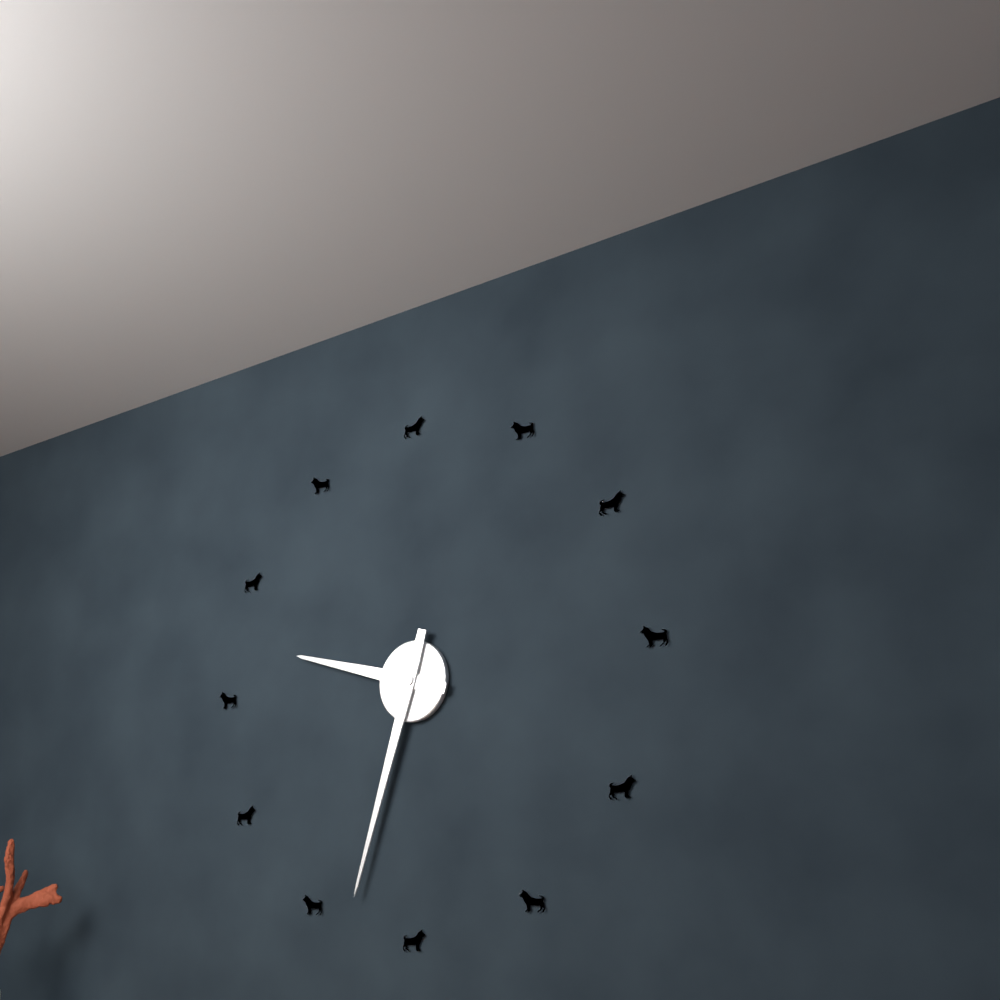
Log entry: 9h33
